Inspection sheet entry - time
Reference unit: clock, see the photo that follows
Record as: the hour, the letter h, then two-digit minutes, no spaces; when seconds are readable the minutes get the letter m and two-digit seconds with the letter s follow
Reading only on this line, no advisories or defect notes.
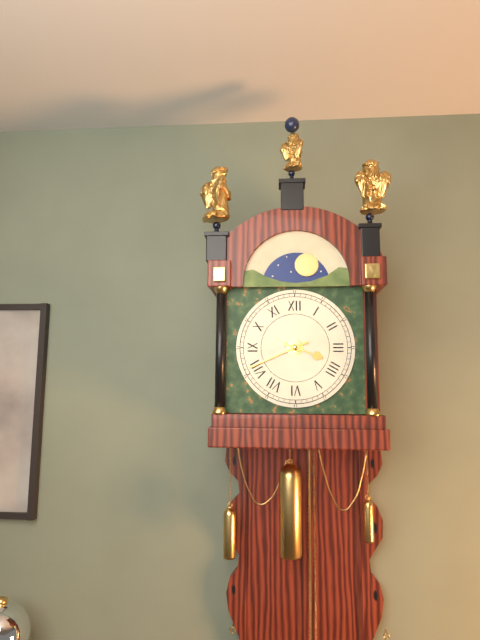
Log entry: 3h41
